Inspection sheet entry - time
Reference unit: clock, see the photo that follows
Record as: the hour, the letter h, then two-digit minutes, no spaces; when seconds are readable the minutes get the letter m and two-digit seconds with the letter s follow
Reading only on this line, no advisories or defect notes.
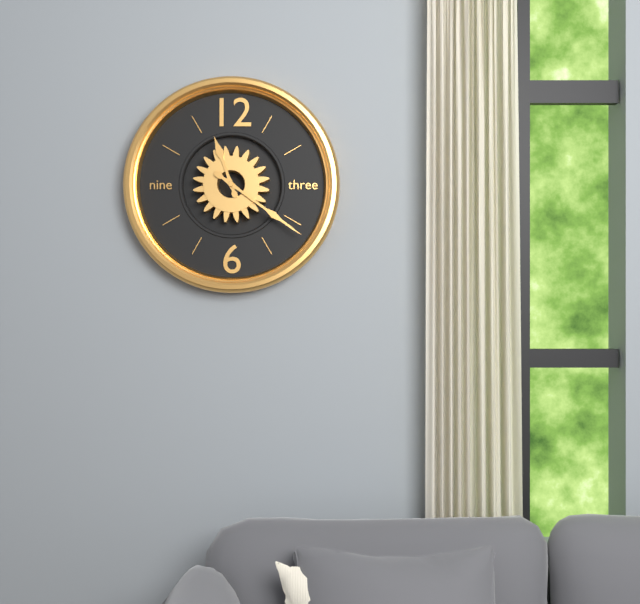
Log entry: 11h21
